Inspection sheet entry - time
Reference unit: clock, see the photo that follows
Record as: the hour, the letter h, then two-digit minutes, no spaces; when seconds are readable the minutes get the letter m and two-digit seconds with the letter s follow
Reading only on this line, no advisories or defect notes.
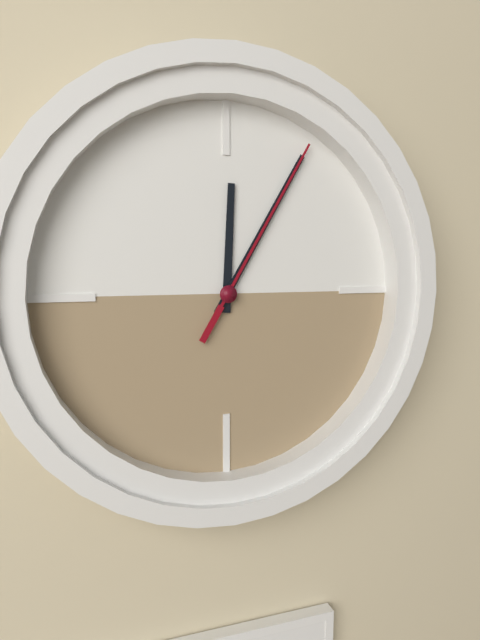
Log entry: 12h05m05s
